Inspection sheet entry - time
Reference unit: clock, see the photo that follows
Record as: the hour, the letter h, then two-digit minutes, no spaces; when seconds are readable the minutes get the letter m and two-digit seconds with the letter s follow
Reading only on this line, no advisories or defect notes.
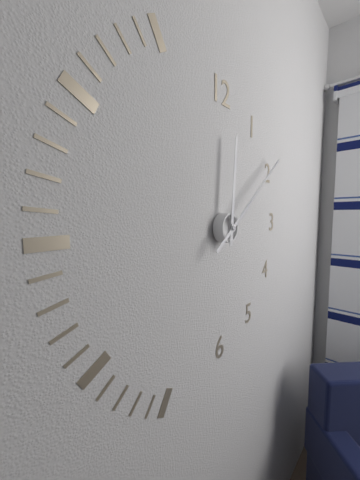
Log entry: 12h09
